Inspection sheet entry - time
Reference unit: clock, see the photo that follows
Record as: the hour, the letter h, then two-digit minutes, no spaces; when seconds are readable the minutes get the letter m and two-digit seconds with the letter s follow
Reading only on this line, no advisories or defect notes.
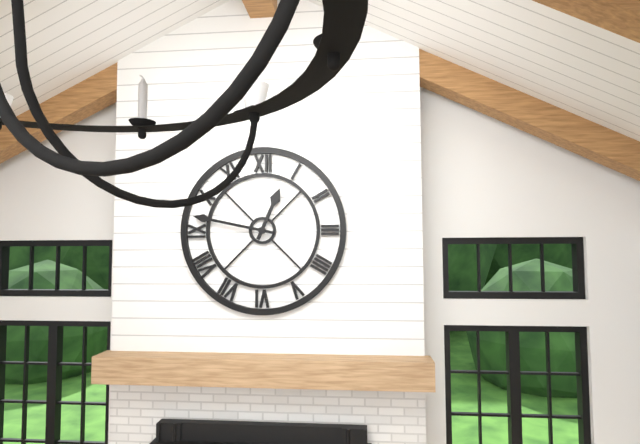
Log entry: 12h47
